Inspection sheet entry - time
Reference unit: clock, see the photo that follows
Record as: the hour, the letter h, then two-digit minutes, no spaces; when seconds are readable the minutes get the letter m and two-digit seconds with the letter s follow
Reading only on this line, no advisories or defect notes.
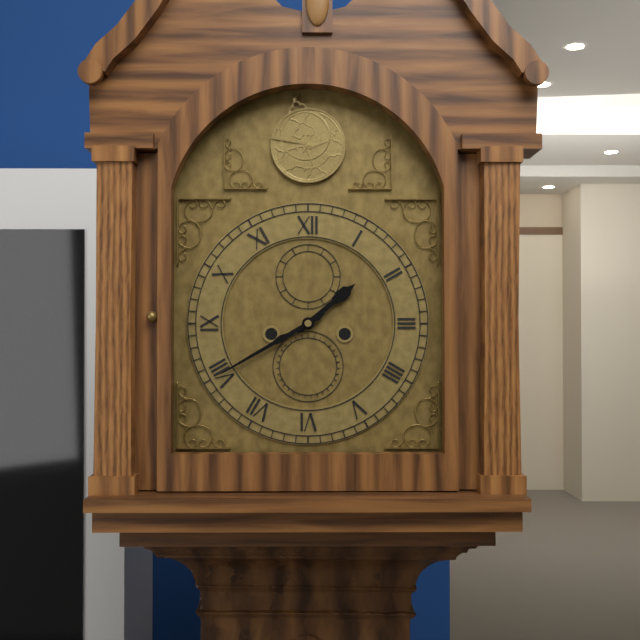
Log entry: 1h40
